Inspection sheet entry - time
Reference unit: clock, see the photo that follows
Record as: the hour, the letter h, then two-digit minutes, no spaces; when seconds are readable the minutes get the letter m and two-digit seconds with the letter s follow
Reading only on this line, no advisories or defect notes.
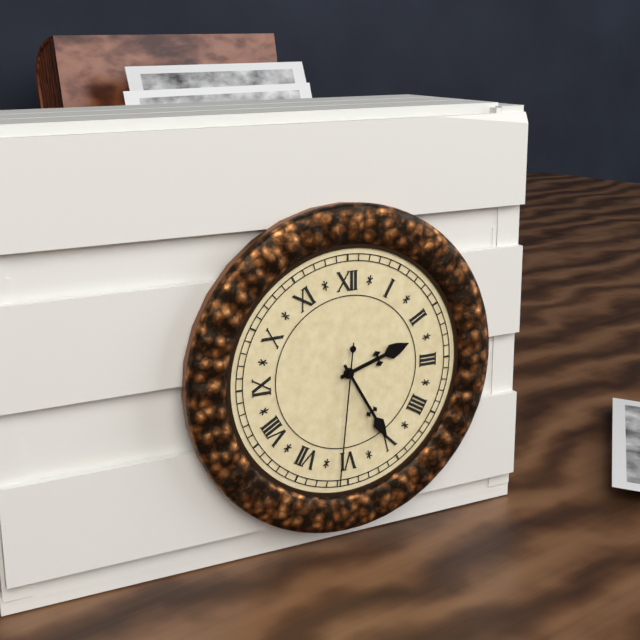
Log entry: 2h25m31s
